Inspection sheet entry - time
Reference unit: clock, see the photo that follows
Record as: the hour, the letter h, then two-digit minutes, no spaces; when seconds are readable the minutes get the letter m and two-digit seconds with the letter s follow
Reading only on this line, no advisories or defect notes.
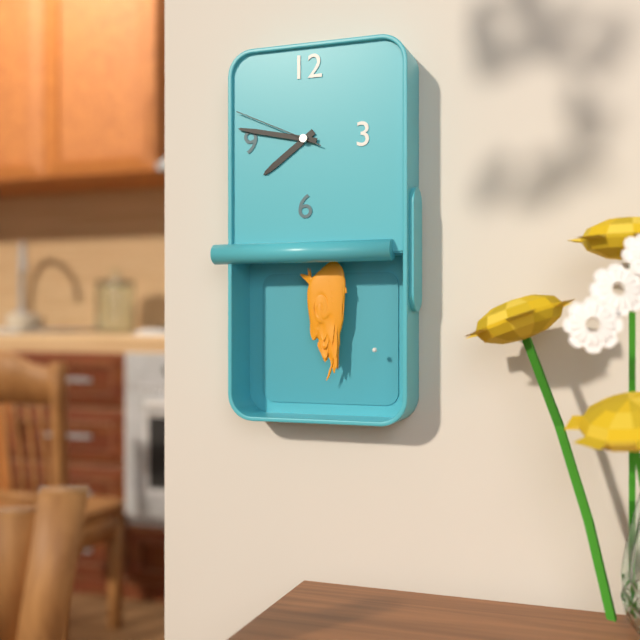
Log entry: 7h47m49s
